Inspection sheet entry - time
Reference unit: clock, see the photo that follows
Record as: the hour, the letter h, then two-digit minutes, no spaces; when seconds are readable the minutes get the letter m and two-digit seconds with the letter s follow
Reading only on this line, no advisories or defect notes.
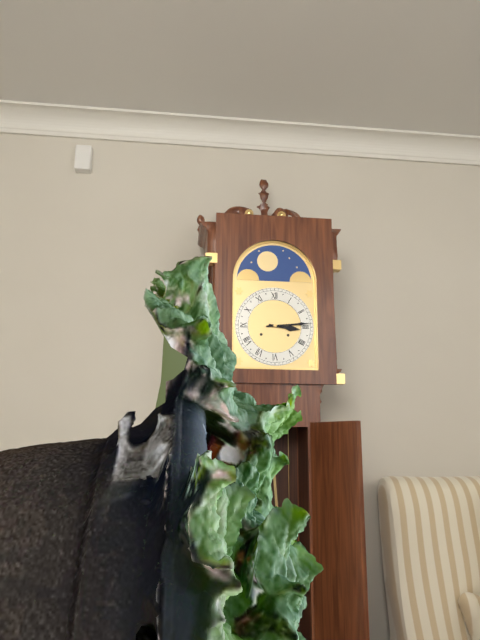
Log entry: 3h14
